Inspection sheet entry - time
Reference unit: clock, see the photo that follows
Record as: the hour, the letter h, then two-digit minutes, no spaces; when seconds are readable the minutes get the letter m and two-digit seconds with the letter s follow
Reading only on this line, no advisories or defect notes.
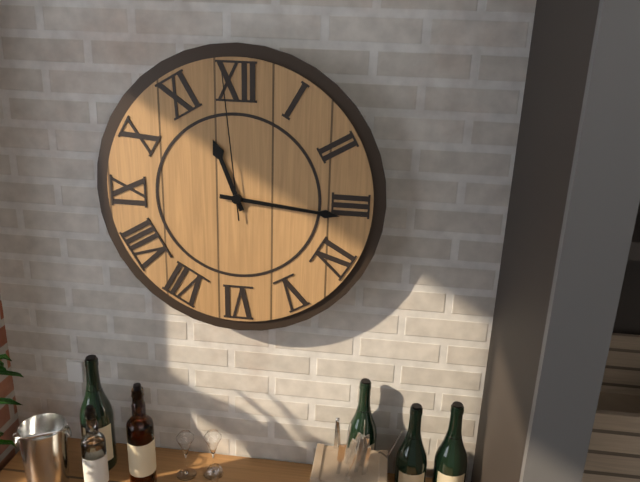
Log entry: 11h16m59s
